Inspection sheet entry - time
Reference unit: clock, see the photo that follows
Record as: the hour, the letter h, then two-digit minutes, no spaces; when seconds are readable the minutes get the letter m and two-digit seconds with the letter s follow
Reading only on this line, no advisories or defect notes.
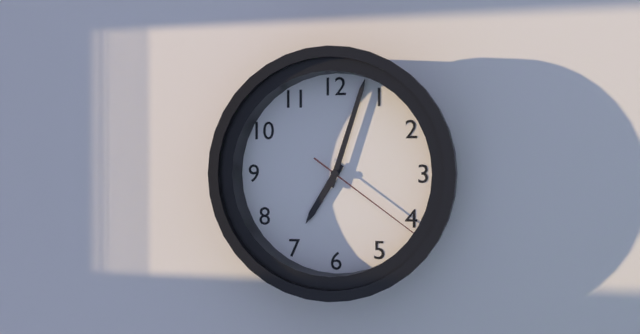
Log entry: 7h03m21s
